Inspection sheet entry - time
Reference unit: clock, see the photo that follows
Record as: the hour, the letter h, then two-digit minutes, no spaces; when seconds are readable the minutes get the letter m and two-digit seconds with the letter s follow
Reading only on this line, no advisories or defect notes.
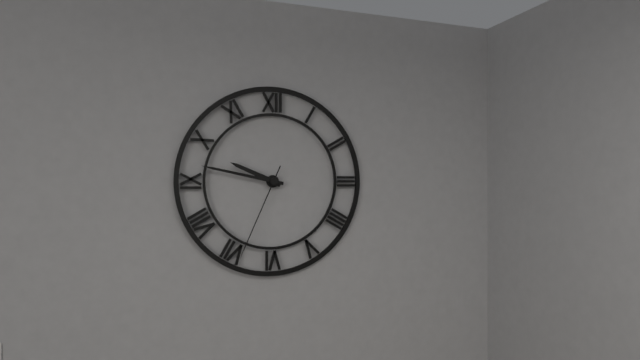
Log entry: 9h47m34s
